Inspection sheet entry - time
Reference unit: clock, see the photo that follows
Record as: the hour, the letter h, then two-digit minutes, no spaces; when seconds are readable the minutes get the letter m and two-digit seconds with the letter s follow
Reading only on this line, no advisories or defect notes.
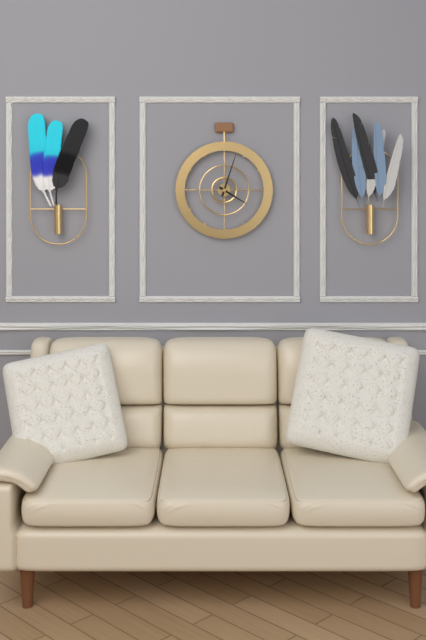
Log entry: 4h03
